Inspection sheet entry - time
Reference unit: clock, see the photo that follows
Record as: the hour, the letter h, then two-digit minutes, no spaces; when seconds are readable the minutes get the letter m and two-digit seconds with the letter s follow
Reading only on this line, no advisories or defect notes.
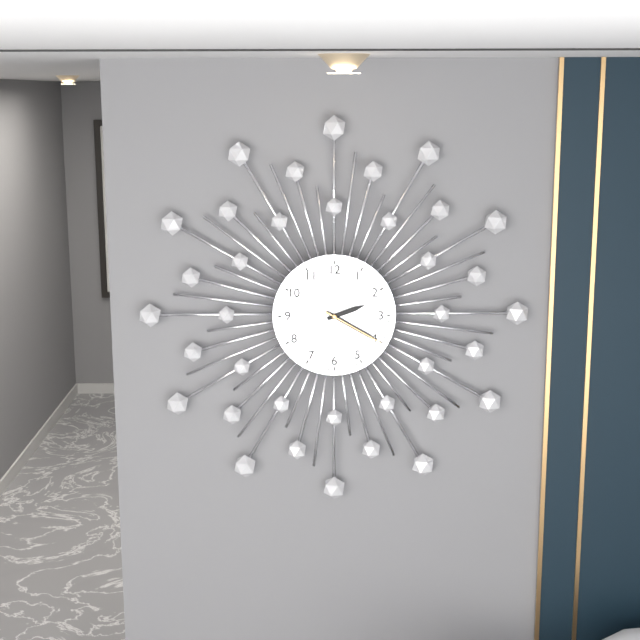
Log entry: 2h20m20s
